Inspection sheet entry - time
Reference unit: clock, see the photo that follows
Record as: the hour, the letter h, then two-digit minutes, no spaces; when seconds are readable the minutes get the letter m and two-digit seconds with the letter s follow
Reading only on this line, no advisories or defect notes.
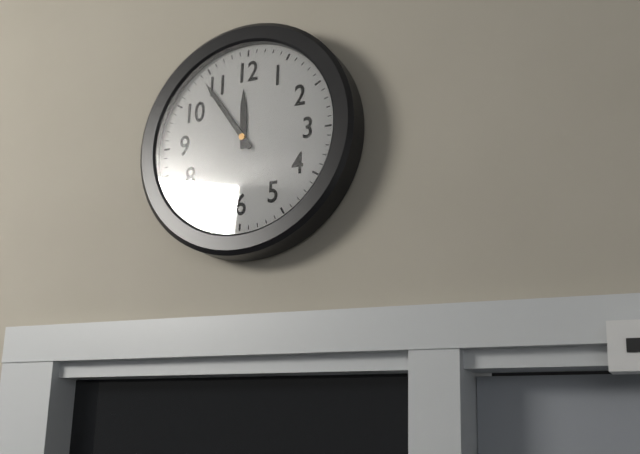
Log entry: 11h54
